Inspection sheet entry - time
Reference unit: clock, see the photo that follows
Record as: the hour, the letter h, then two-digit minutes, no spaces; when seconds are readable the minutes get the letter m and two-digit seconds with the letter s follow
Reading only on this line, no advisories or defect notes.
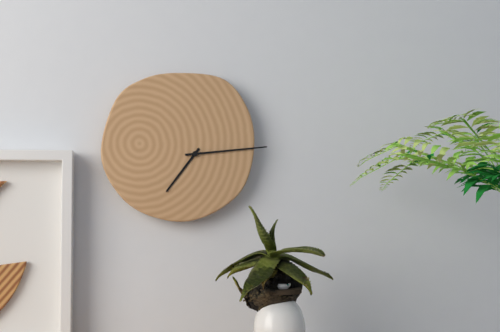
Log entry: 7h14
